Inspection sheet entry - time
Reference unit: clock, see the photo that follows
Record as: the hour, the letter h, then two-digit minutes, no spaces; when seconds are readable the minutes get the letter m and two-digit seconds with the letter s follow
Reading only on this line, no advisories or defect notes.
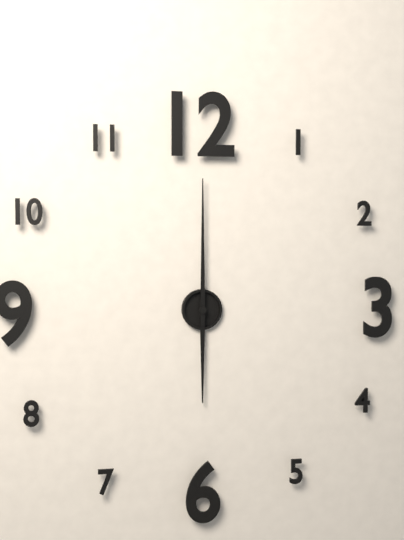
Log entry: 6h00
